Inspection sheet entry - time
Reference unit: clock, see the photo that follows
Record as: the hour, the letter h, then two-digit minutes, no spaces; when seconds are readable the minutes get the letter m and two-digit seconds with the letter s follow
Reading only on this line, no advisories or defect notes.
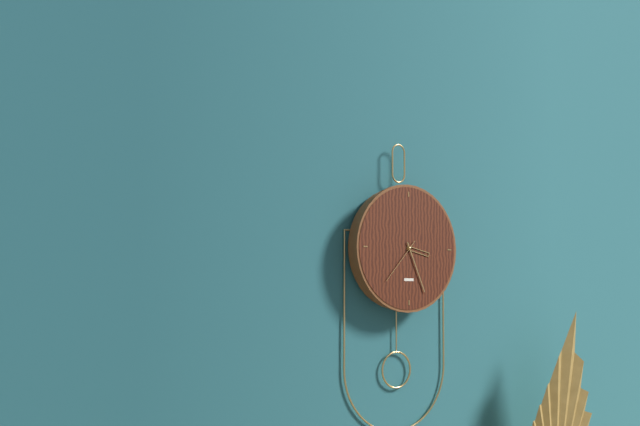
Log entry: 3h26
